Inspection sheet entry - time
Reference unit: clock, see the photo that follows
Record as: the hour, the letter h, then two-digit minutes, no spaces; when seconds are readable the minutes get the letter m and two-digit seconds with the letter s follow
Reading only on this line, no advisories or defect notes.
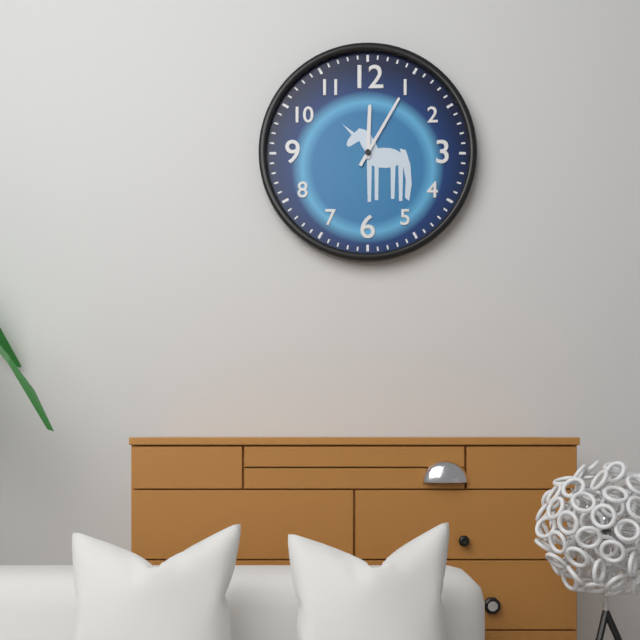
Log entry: 12h05
